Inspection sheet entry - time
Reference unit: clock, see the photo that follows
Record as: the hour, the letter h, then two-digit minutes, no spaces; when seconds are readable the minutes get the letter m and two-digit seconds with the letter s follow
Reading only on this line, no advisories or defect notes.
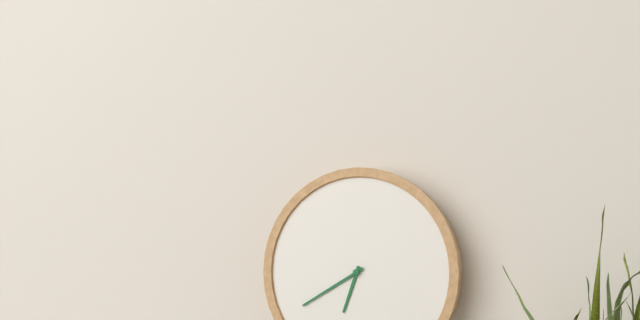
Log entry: 6h40
